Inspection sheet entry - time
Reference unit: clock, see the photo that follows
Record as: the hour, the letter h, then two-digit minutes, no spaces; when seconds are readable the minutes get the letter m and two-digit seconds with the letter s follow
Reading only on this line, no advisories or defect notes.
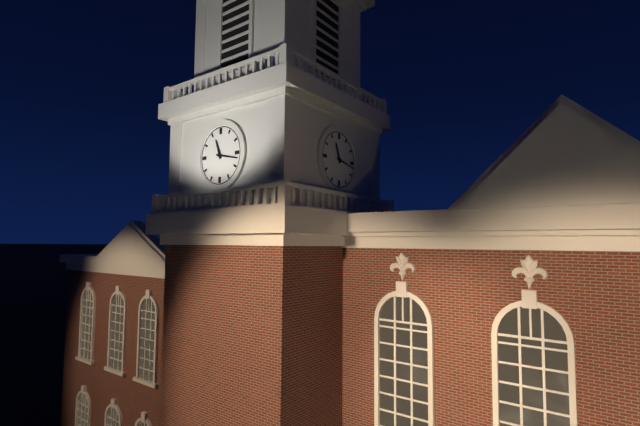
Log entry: 11h17
